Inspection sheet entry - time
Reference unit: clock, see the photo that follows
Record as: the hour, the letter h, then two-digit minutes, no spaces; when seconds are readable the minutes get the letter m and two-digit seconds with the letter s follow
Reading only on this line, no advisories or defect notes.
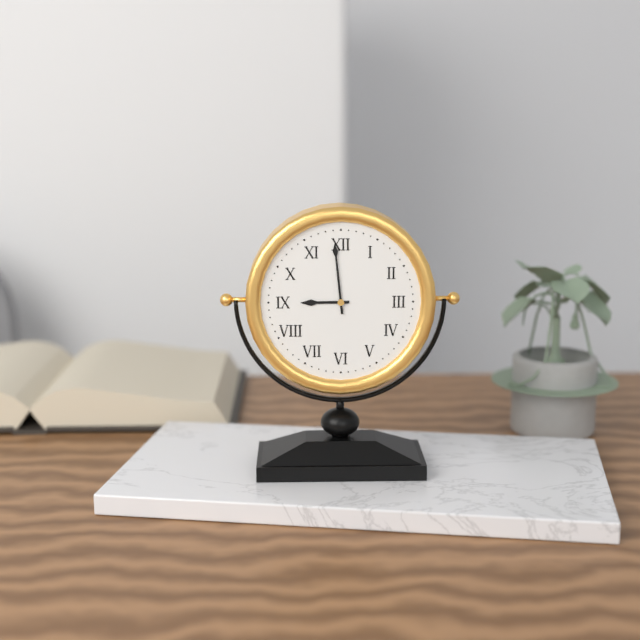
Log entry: 8h59
